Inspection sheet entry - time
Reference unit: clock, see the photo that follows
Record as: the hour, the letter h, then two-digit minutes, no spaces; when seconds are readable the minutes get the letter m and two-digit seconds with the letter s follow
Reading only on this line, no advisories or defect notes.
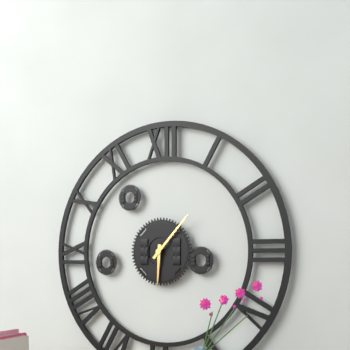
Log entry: 6h07
